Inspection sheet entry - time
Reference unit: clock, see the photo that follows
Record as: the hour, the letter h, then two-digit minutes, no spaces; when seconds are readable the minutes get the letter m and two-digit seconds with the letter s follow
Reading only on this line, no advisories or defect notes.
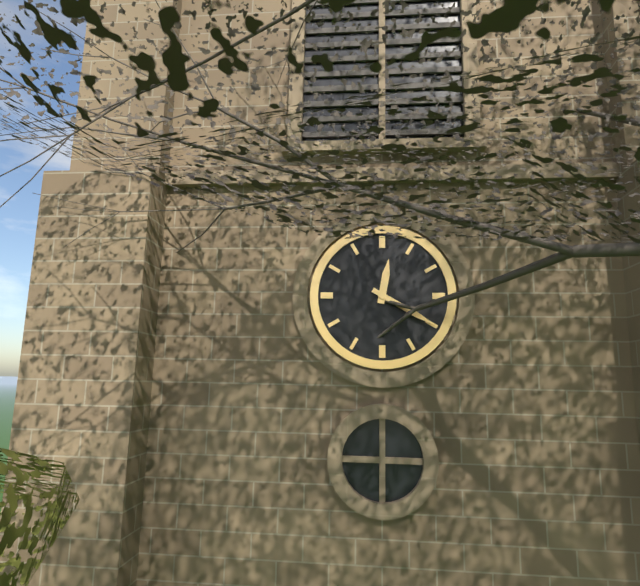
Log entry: 12h20
